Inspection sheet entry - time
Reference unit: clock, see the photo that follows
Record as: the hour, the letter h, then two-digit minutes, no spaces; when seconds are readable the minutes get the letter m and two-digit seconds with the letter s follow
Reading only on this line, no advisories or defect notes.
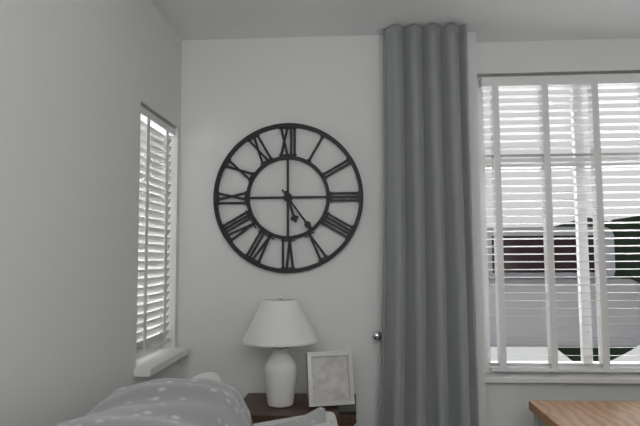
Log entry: 5h24
